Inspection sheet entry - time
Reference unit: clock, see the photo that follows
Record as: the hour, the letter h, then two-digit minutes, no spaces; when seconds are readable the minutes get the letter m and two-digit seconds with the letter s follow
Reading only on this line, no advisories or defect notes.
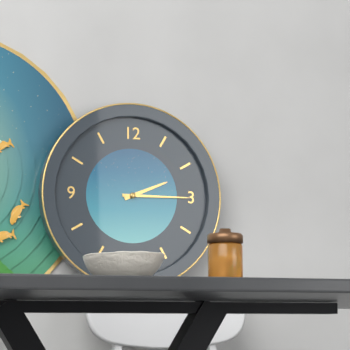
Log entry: 2h15
